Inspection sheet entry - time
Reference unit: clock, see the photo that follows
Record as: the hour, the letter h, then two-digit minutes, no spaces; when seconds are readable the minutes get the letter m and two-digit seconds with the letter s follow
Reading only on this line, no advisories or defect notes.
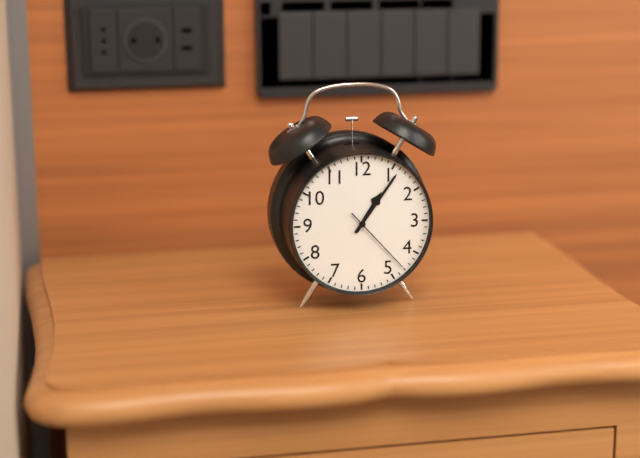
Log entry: 1h06m23s
